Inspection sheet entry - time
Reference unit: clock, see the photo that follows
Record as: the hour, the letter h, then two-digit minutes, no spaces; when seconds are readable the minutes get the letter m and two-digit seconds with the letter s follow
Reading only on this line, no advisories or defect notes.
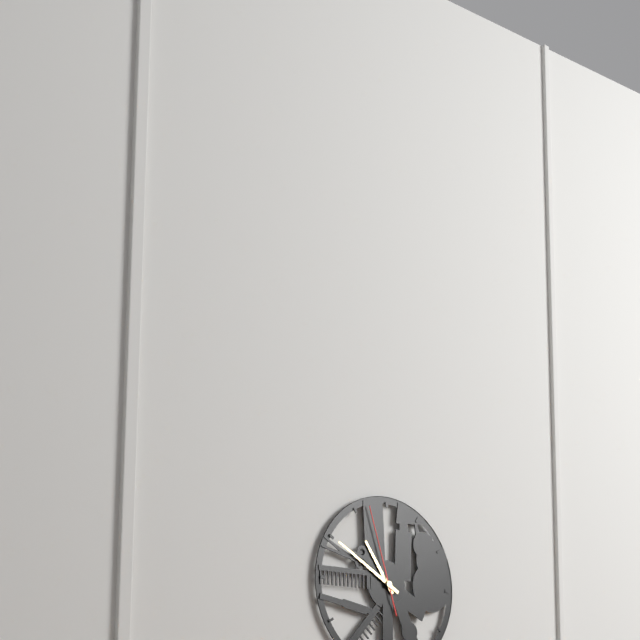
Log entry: 10h50m57s
